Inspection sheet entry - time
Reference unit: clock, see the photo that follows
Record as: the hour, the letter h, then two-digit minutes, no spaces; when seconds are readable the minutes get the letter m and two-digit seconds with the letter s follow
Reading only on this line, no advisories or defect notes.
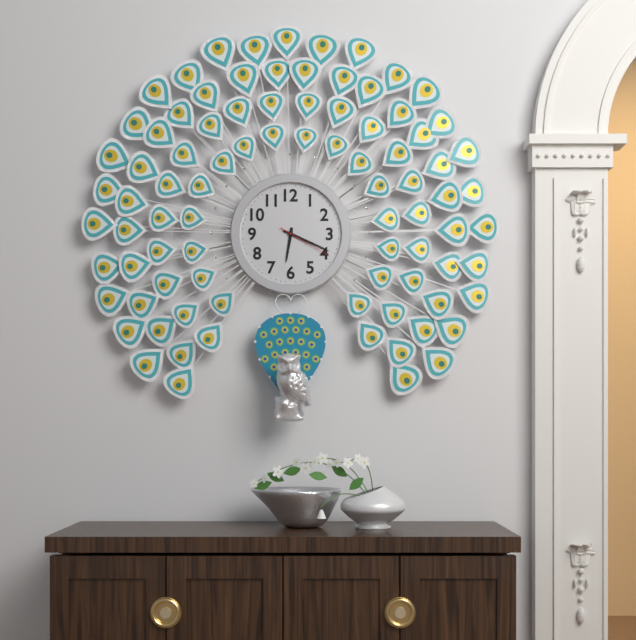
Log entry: 6h19m20s
